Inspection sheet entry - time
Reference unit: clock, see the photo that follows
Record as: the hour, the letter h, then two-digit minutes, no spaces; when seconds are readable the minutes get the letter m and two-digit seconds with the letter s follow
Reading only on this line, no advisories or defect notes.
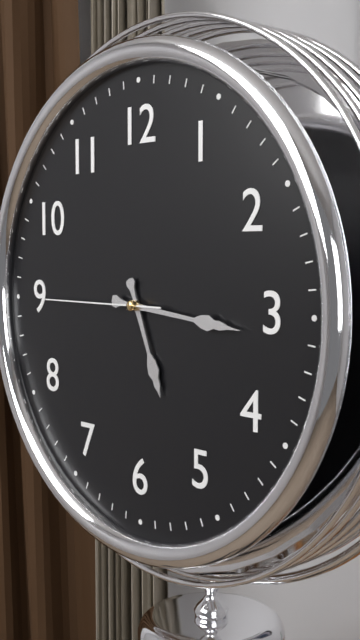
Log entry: 5h16m45s
